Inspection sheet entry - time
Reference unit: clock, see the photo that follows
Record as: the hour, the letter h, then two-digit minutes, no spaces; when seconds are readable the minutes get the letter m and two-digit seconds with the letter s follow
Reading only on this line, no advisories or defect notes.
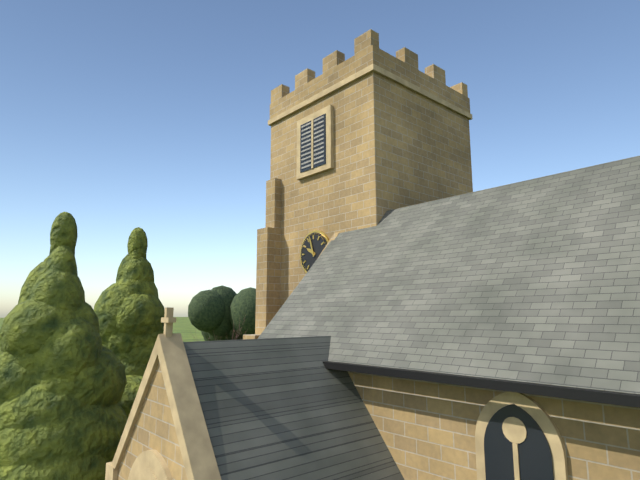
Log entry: 9h57
